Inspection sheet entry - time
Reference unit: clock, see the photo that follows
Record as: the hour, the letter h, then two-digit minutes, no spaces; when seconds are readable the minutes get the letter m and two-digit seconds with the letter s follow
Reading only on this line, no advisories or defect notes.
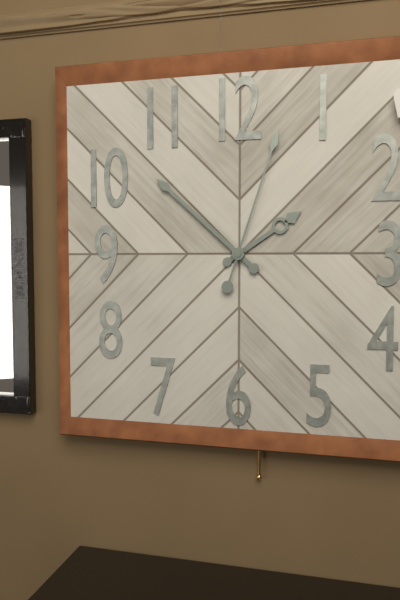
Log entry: 1h52m03s
